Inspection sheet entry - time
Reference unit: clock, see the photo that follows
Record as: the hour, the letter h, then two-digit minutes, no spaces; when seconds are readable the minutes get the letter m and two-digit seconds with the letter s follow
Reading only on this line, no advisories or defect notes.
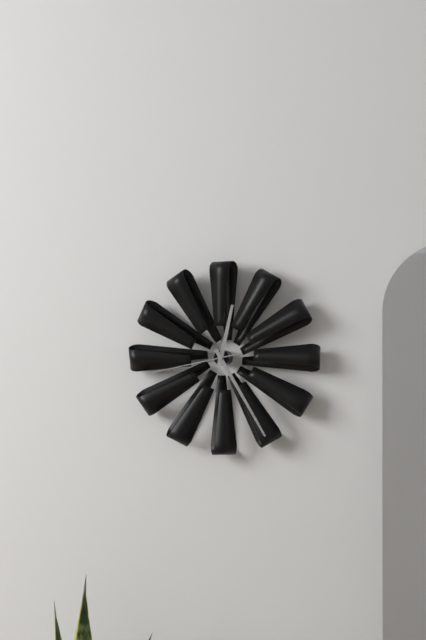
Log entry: 12h25m43s
